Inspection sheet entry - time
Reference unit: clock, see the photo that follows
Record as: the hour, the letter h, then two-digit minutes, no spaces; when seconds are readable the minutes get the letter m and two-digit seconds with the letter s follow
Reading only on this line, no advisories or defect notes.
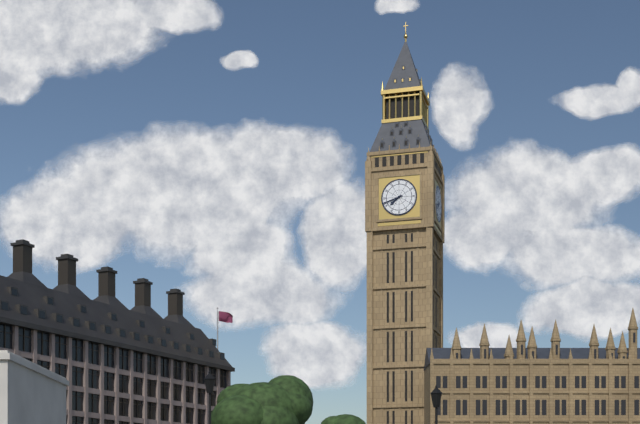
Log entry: 7h42
